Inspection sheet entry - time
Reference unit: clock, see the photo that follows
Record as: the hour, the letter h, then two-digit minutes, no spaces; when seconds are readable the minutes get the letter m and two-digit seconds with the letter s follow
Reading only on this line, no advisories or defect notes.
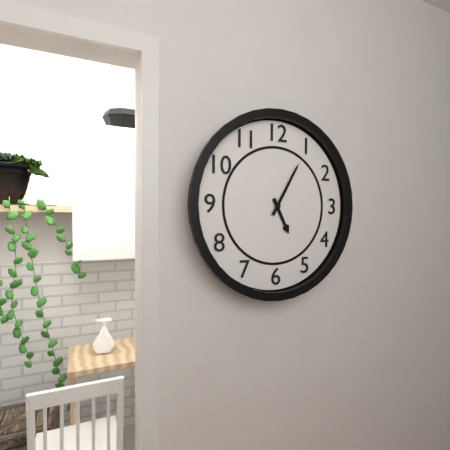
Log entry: 5h05
